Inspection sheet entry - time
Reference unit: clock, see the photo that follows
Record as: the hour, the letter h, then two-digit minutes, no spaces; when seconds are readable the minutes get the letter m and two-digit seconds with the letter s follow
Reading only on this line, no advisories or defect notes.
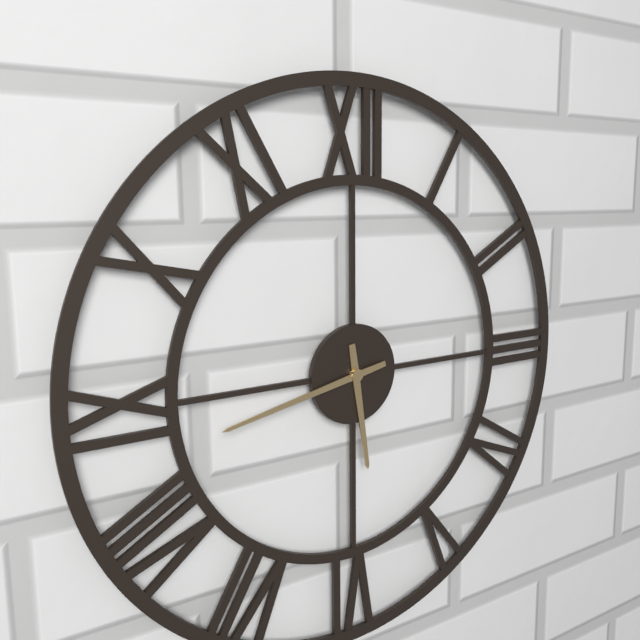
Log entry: 5h43
